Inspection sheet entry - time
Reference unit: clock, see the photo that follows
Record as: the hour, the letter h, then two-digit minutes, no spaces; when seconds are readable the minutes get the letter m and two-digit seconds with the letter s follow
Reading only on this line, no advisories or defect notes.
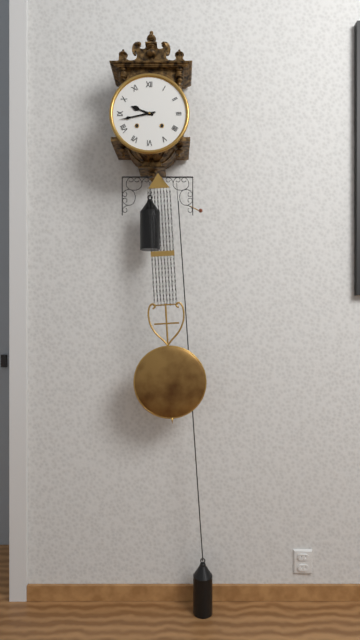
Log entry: 9h43
